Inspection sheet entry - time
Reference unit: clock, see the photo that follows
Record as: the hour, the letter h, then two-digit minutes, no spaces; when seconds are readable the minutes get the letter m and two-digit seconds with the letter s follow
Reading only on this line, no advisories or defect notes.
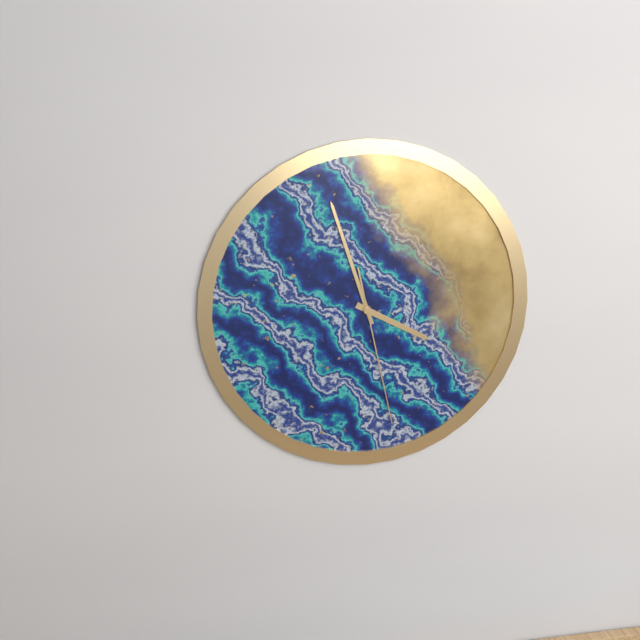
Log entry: 3h57m28s
